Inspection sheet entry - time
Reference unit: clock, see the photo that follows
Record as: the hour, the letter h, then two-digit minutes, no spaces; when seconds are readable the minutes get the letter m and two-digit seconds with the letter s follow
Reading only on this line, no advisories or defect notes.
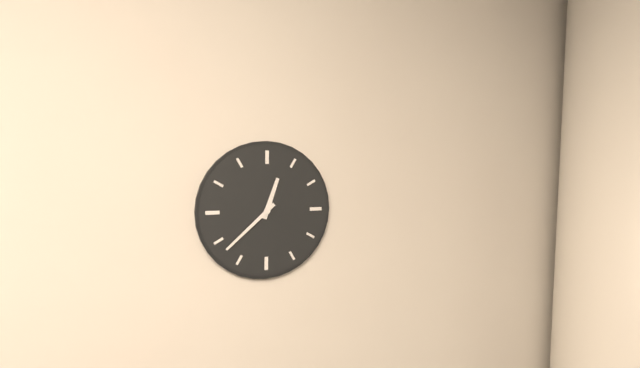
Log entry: 12h38
